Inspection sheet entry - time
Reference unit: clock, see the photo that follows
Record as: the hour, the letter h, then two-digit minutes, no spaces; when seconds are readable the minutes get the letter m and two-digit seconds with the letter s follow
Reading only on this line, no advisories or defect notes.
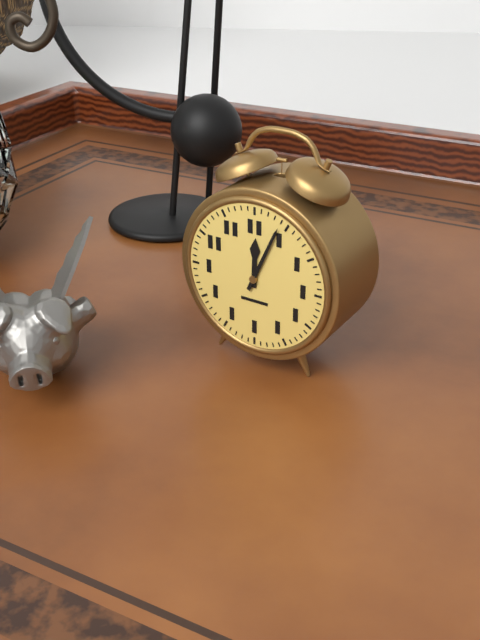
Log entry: 12h04
